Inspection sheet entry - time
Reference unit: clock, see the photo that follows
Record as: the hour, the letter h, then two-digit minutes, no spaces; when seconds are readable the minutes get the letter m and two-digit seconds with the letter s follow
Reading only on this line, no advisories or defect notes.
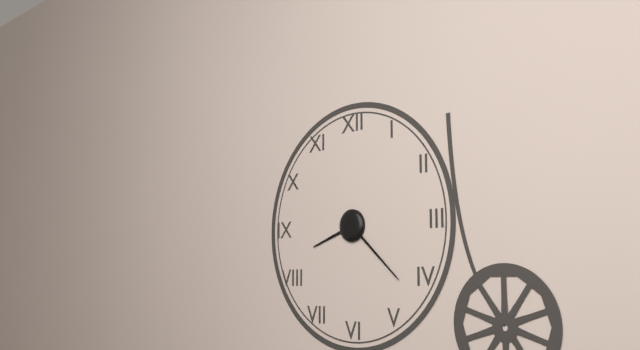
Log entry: 8h22
